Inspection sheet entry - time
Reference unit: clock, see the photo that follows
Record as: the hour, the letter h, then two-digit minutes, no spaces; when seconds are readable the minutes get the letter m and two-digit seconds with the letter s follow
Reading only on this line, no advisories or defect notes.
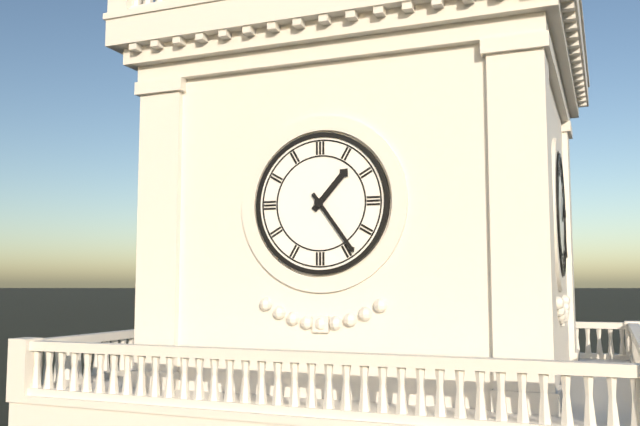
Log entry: 1h24
